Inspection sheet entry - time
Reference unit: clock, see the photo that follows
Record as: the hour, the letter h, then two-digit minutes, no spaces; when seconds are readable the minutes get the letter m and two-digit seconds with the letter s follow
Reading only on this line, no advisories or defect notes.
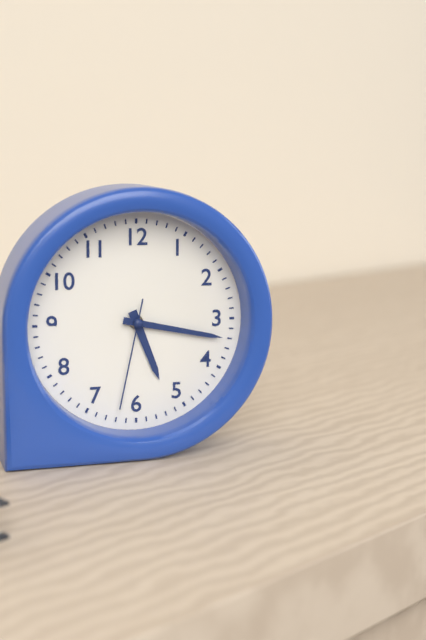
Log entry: 5h17m32s
